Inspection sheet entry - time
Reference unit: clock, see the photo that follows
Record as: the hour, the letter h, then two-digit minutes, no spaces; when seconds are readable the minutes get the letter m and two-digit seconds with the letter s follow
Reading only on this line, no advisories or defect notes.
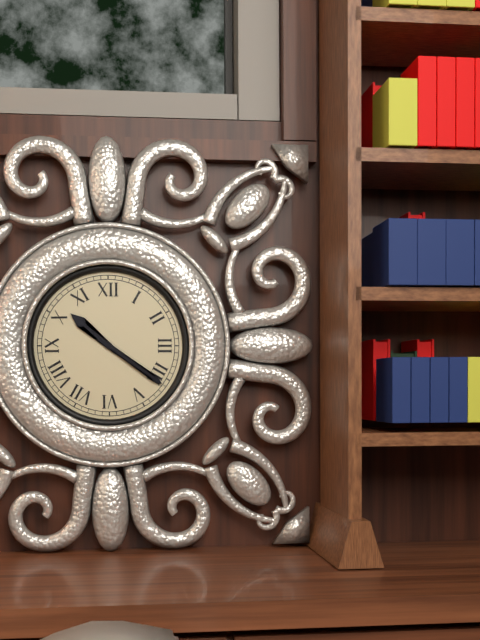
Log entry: 10h21
